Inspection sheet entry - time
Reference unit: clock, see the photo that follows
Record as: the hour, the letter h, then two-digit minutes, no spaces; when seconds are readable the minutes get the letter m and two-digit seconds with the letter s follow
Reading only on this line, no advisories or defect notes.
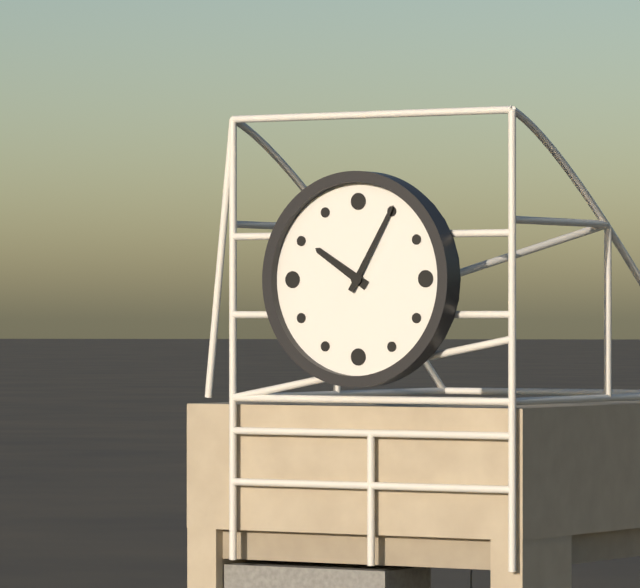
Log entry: 10h05
